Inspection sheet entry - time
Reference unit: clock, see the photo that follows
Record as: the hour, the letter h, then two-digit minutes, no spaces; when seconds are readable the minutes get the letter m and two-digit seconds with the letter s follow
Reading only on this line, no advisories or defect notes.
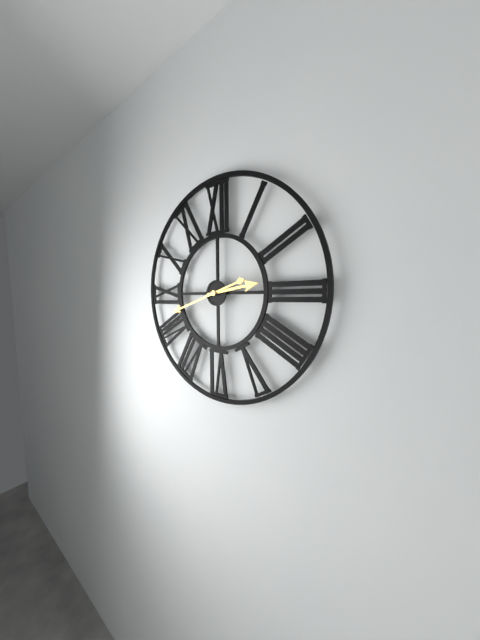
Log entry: 2h42
